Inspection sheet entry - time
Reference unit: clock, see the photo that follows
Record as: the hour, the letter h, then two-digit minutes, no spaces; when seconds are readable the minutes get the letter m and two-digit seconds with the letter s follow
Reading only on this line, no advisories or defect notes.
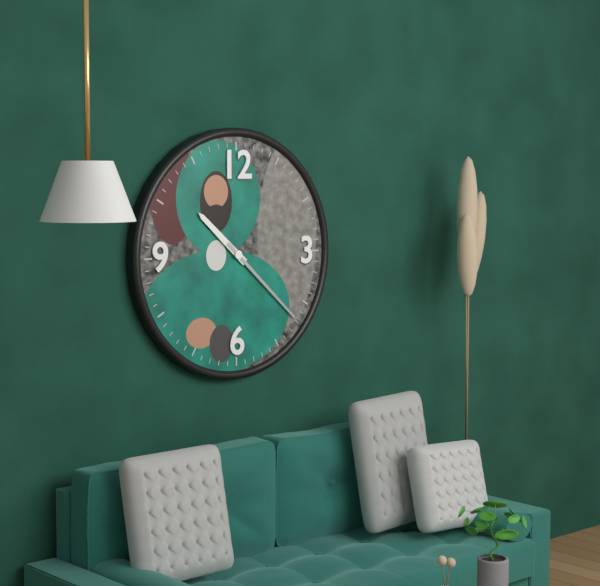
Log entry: 10h22
